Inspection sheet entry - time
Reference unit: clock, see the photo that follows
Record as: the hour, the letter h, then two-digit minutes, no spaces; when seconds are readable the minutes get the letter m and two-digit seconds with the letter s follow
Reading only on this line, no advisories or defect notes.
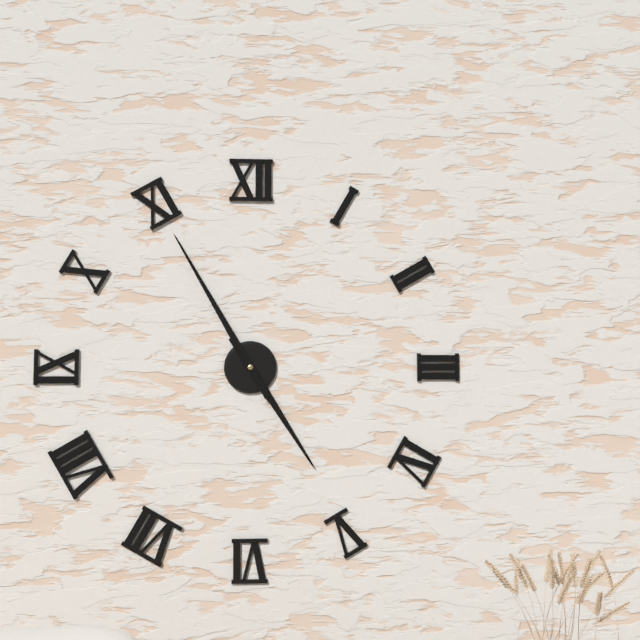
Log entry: 4h55
